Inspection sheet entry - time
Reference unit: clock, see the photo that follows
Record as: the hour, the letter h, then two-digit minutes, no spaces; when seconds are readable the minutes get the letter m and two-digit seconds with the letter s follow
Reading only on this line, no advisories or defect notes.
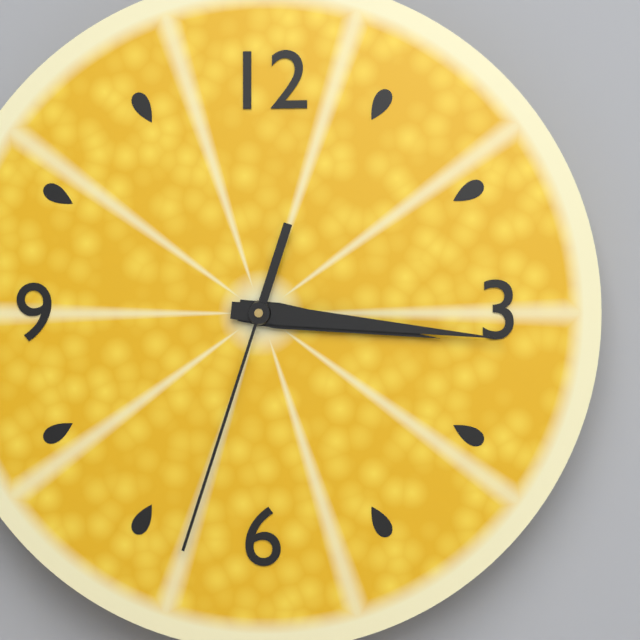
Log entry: 3h16m33s
